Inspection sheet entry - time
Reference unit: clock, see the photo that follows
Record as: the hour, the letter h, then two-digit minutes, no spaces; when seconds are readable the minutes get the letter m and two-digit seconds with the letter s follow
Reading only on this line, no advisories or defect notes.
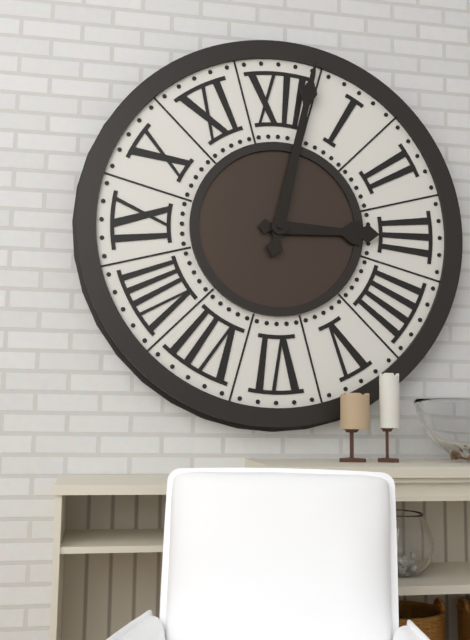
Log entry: 3h02
